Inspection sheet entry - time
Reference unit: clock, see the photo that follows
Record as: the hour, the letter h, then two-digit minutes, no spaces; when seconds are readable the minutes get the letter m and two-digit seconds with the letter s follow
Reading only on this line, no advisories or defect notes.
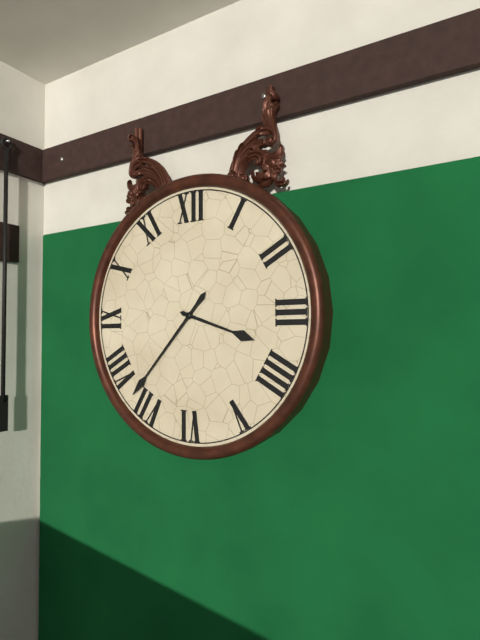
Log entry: 3h37
